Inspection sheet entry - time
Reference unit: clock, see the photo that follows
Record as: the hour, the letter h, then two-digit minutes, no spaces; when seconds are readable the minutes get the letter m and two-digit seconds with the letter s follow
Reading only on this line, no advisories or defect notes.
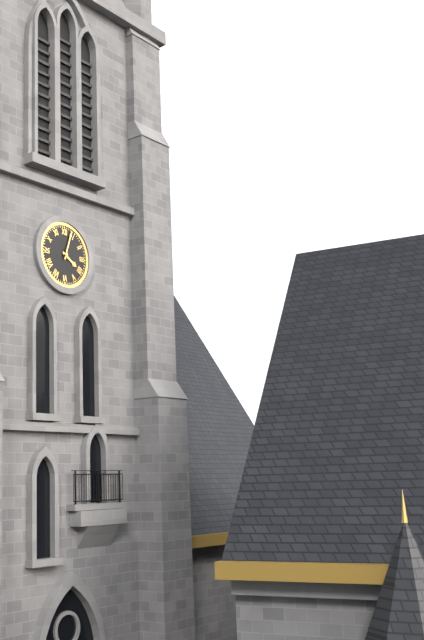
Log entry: 4h03
